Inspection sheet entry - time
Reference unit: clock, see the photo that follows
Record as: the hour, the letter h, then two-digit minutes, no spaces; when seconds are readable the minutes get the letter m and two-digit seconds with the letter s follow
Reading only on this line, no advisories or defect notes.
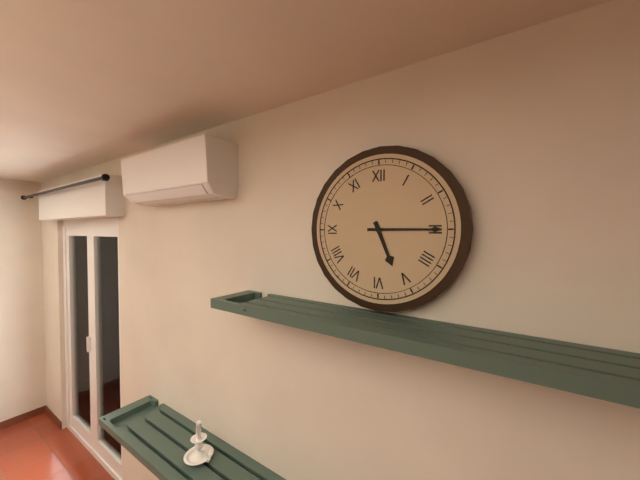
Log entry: 5h15
